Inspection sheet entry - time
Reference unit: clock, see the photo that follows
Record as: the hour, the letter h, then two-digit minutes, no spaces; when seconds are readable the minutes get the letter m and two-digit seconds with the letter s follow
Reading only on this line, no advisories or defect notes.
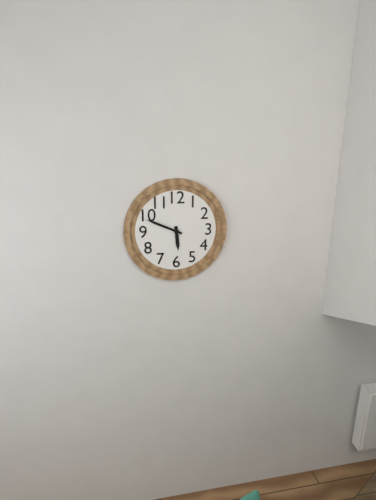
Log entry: 5h49
